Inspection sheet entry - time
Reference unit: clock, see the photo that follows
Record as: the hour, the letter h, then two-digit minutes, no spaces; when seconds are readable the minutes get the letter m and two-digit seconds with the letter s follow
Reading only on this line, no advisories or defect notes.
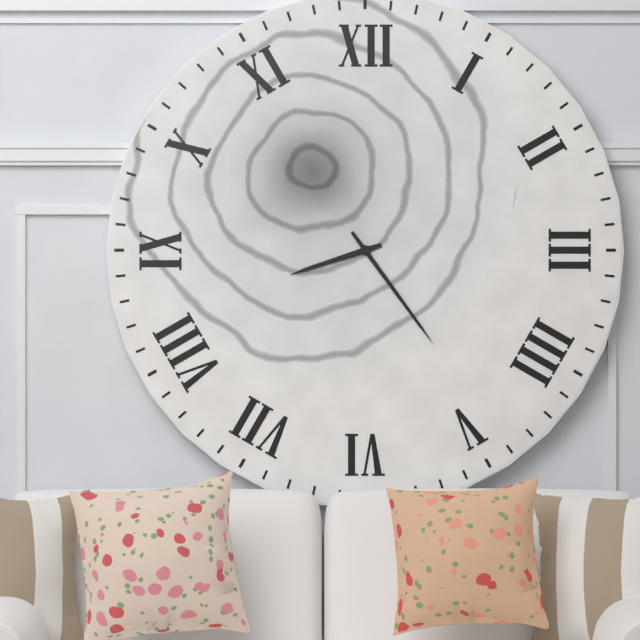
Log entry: 8h24
